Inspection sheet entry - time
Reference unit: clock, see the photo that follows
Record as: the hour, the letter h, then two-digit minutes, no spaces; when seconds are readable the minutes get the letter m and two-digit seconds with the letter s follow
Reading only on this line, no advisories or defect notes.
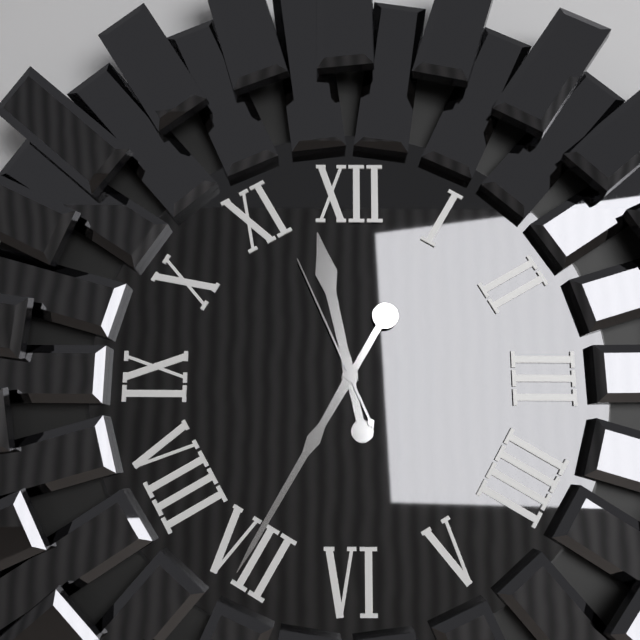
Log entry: 11h35m56s
